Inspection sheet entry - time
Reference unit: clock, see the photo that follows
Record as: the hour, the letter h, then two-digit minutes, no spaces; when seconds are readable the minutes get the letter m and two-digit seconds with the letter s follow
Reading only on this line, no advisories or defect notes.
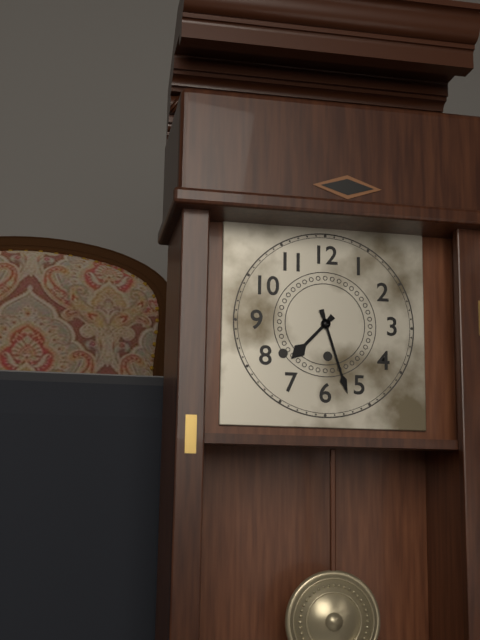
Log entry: 7h27
